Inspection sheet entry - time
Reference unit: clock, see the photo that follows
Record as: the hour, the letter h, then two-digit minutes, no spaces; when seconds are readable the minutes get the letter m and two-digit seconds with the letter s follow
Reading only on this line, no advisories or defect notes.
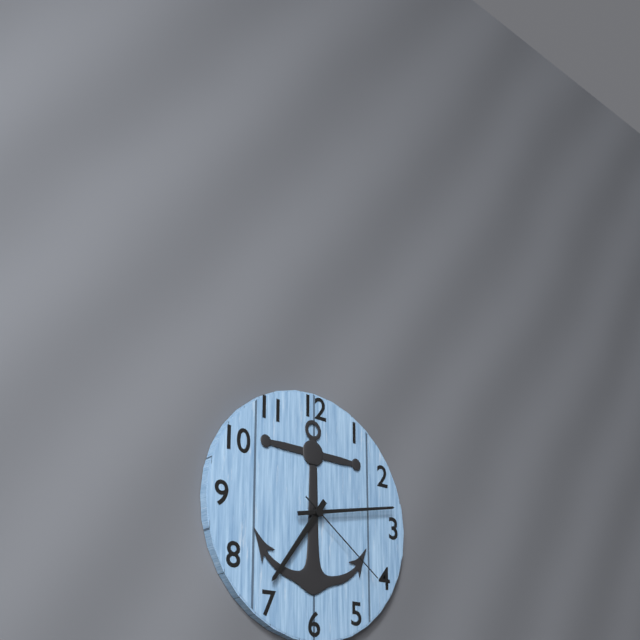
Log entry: 7h13m21s
